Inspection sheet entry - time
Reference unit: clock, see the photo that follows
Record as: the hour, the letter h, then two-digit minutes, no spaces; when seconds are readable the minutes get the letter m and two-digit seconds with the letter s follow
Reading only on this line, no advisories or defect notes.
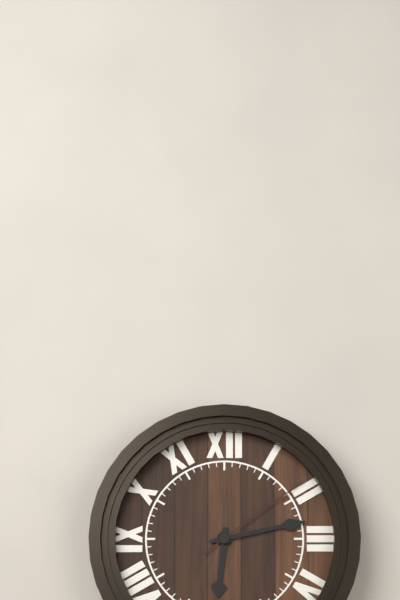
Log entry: 6h13m09s
